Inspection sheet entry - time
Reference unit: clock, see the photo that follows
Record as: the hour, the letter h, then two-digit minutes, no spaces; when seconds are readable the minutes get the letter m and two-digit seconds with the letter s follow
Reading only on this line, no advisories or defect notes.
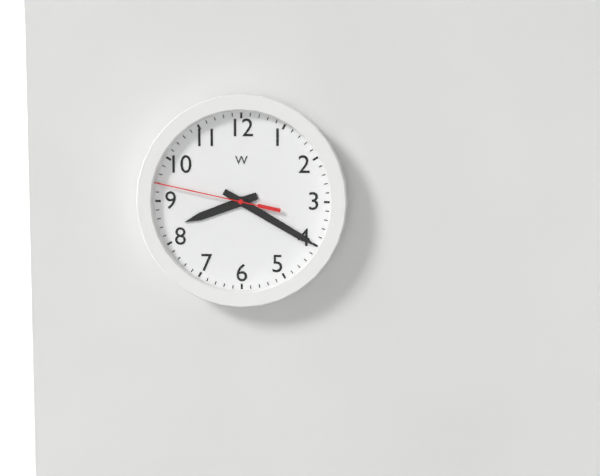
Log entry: 8h20m47s
